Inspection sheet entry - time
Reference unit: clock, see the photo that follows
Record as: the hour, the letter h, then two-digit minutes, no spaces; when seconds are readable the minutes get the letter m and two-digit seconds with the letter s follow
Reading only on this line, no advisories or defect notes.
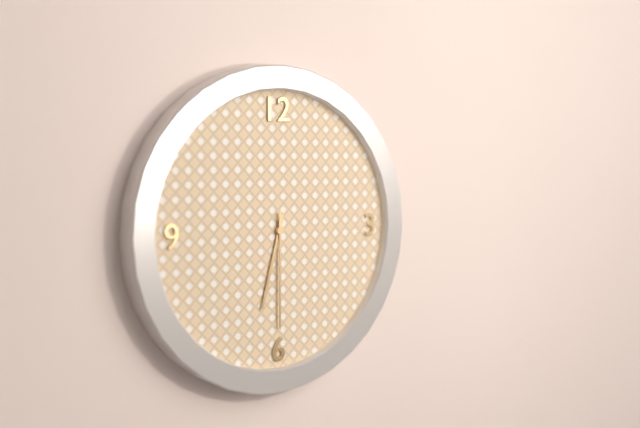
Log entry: 6h30
